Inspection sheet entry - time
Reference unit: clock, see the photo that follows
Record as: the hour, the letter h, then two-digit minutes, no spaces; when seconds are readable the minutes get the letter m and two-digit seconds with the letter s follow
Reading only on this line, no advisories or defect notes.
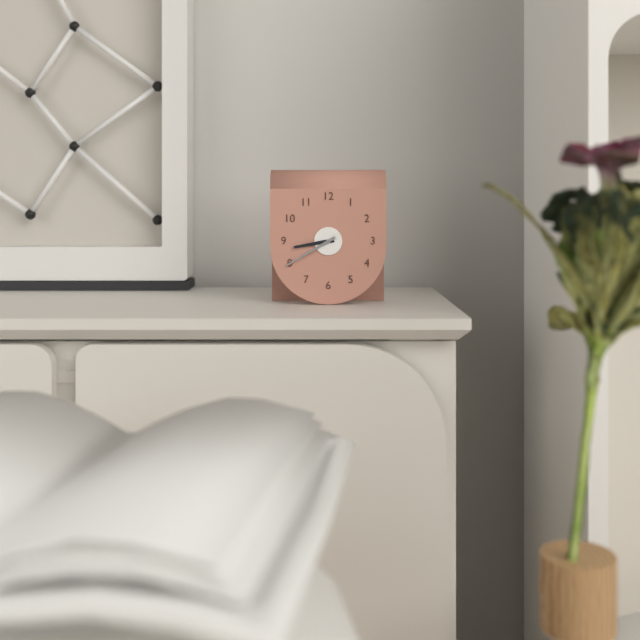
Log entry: 8h40
